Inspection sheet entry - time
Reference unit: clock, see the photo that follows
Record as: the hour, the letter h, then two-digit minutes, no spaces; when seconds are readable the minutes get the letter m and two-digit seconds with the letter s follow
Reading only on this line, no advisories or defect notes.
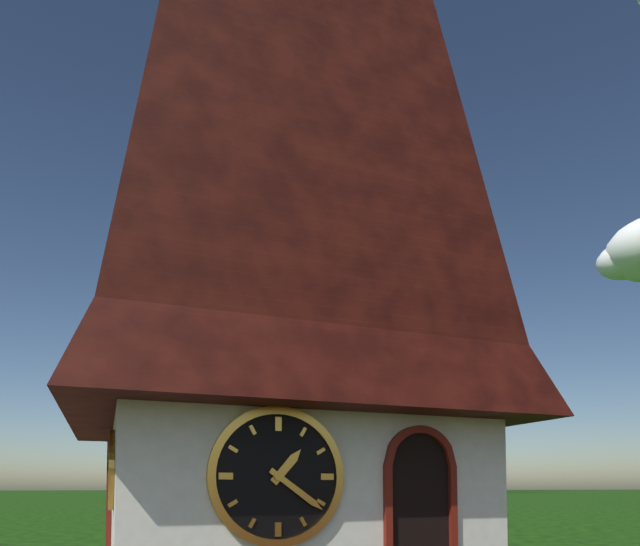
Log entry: 1h21
